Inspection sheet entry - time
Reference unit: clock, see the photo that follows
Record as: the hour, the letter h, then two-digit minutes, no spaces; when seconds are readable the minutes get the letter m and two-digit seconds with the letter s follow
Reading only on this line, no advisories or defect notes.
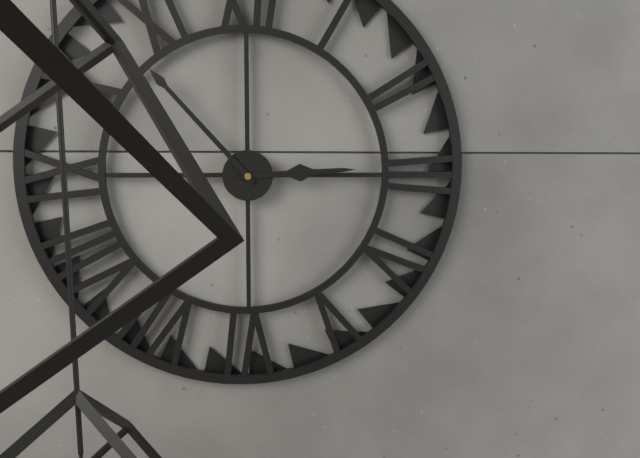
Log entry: 2h53
